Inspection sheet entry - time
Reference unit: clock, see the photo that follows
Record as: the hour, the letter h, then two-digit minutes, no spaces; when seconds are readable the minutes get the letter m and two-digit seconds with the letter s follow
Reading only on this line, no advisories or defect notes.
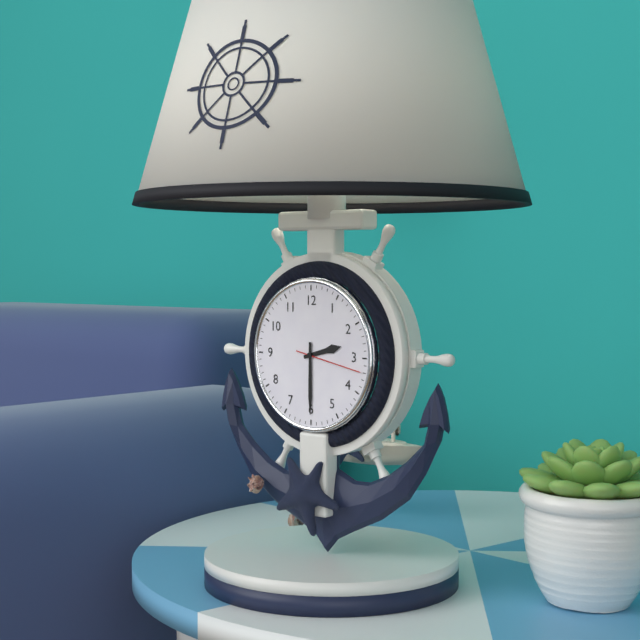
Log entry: 2h30m17s
